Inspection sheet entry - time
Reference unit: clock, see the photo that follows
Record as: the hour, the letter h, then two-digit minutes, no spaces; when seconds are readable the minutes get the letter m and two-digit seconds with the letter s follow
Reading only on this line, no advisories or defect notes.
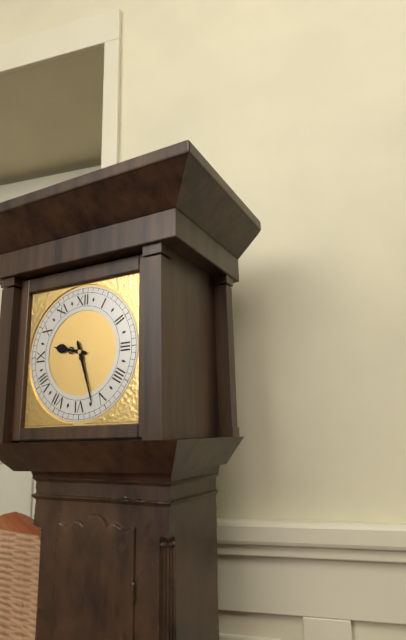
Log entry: 9h27
